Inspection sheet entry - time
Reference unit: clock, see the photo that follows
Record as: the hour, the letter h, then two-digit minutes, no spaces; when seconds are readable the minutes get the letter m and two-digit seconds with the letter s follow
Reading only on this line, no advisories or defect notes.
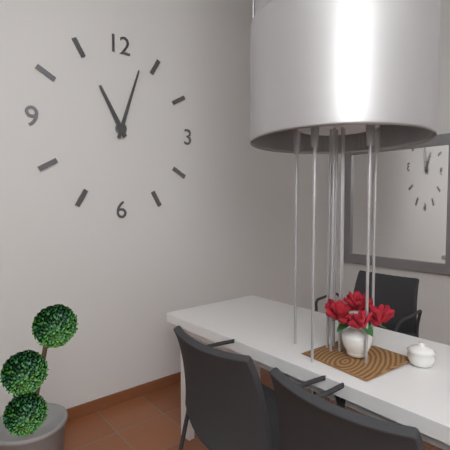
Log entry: 11h03
